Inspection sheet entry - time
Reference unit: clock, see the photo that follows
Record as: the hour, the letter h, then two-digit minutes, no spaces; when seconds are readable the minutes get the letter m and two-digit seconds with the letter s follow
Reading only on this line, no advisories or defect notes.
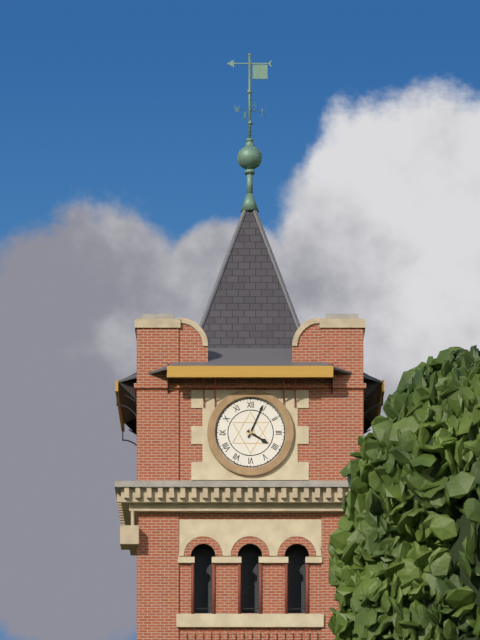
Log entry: 4h04
